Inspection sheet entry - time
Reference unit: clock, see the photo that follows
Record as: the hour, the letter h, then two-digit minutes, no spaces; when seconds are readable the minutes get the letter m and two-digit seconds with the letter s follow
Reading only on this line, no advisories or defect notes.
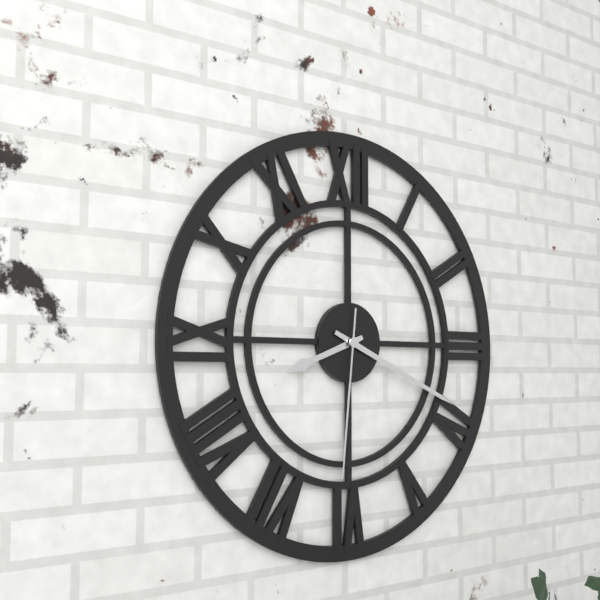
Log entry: 8h19m31s
